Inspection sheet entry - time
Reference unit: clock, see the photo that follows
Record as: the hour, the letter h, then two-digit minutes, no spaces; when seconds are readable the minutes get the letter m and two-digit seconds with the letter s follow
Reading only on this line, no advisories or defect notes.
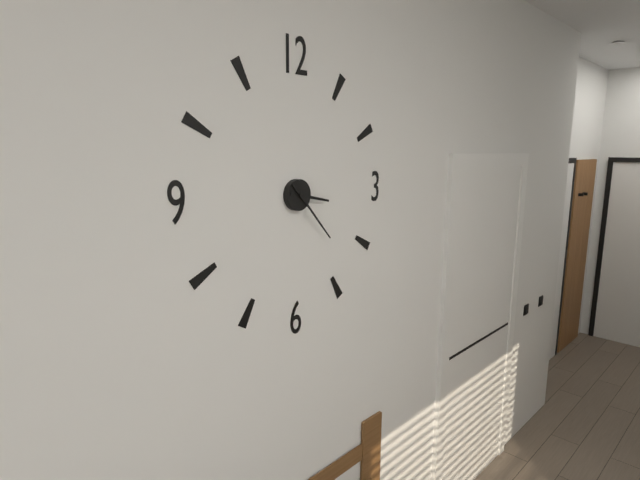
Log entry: 3h23
